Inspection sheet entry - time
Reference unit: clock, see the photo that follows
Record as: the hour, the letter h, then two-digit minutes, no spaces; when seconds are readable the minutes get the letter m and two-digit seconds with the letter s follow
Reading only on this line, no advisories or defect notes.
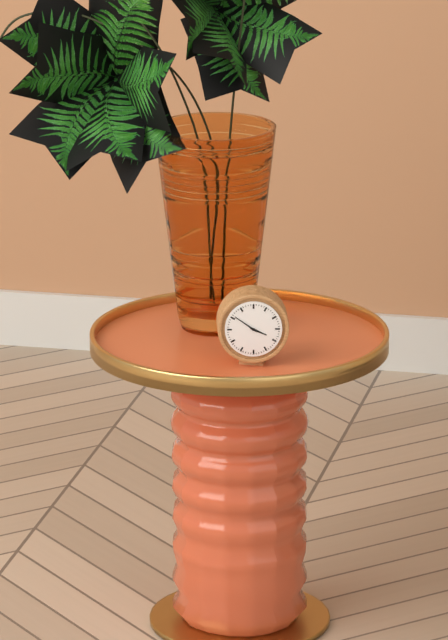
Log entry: 3h51
